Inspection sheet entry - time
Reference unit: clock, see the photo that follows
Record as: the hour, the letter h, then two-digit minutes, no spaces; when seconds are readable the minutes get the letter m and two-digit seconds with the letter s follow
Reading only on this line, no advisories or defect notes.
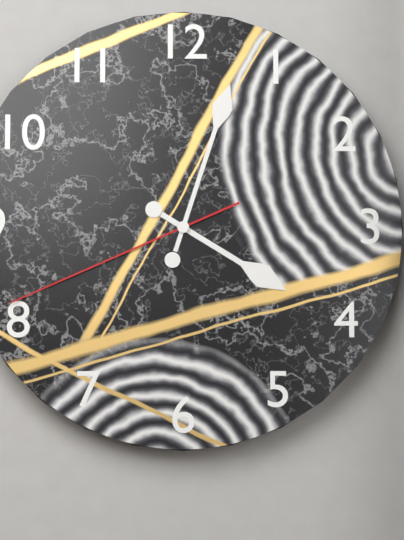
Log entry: 4h03m41s
